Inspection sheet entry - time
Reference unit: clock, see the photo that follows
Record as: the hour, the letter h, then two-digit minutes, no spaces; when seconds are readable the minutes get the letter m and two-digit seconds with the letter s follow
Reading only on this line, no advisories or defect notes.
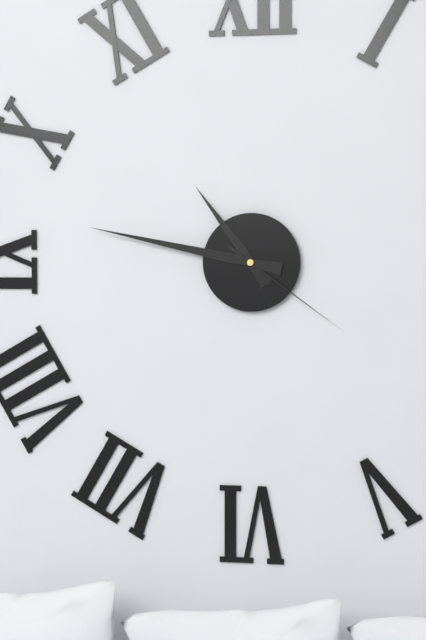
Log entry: 10h47m21s
